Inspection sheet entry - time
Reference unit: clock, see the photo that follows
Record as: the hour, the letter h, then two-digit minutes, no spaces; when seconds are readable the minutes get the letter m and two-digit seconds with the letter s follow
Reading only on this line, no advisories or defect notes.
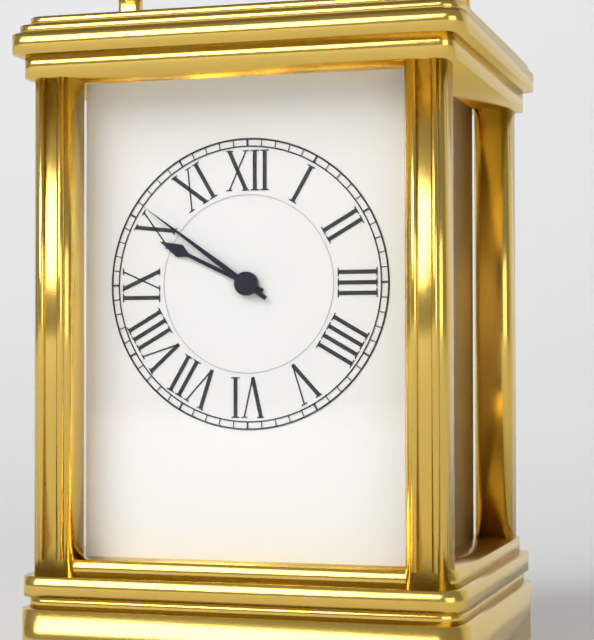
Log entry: 9h51
